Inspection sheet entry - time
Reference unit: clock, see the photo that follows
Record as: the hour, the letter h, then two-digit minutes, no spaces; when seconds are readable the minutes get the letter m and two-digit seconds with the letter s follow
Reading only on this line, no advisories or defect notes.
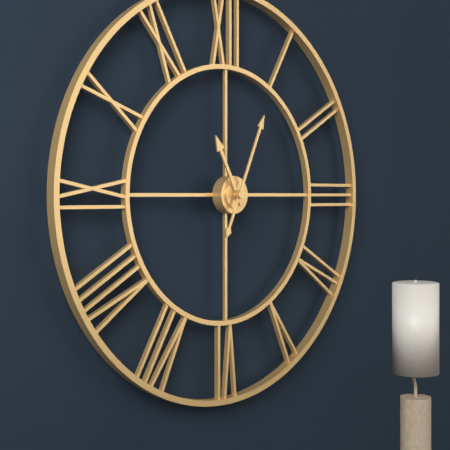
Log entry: 11h04
